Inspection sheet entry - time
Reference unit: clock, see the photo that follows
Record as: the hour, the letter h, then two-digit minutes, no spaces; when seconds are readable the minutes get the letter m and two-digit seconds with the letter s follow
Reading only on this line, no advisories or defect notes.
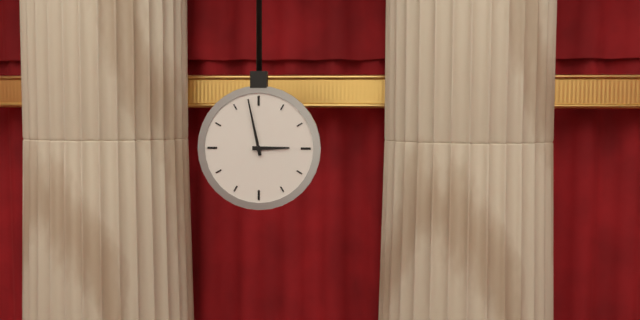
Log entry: 2h58
